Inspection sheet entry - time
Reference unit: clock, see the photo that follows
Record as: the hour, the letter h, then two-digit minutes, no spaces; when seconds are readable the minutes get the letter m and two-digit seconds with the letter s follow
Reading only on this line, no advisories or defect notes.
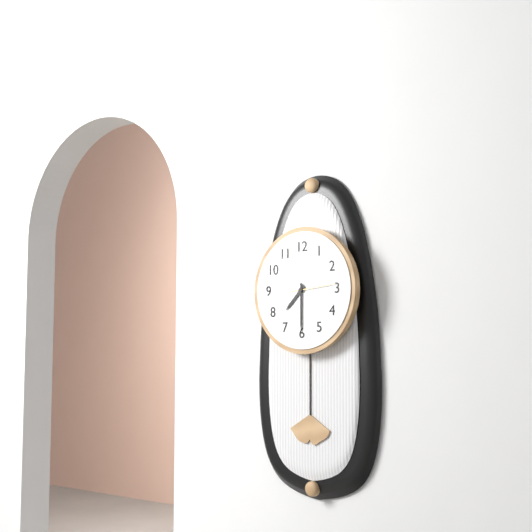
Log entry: 7h30
